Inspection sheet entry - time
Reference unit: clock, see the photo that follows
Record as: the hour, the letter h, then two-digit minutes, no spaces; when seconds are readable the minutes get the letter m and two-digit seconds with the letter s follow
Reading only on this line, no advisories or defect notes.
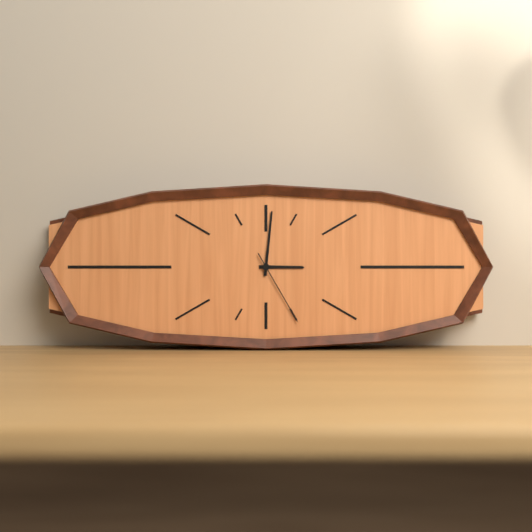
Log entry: 3h01m25s
